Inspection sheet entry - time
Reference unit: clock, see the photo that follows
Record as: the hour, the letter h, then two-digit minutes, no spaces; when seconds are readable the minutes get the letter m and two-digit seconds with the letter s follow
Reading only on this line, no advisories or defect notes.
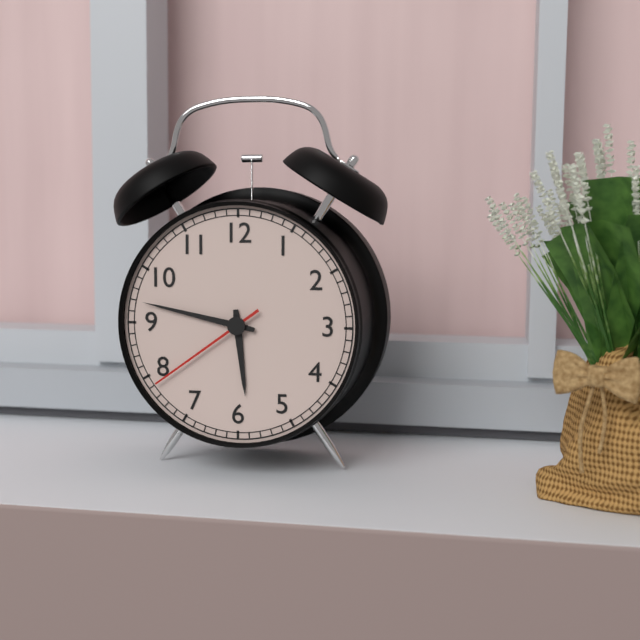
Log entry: 5h47m39s
